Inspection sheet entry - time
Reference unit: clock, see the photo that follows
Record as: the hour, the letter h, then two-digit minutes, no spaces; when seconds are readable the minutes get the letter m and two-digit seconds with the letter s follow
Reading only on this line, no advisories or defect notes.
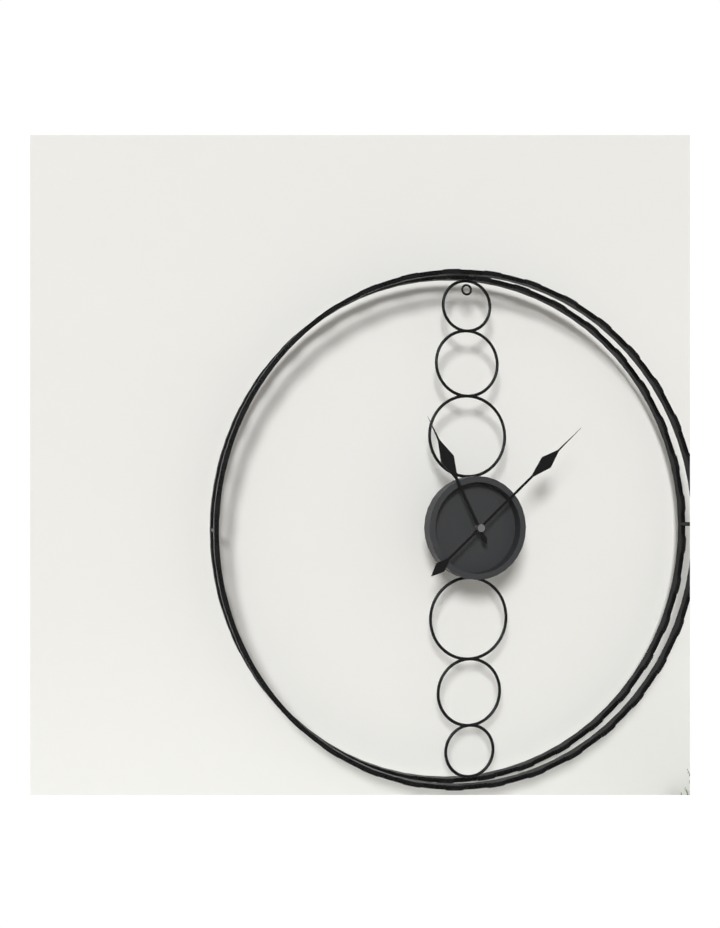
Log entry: 11h08
